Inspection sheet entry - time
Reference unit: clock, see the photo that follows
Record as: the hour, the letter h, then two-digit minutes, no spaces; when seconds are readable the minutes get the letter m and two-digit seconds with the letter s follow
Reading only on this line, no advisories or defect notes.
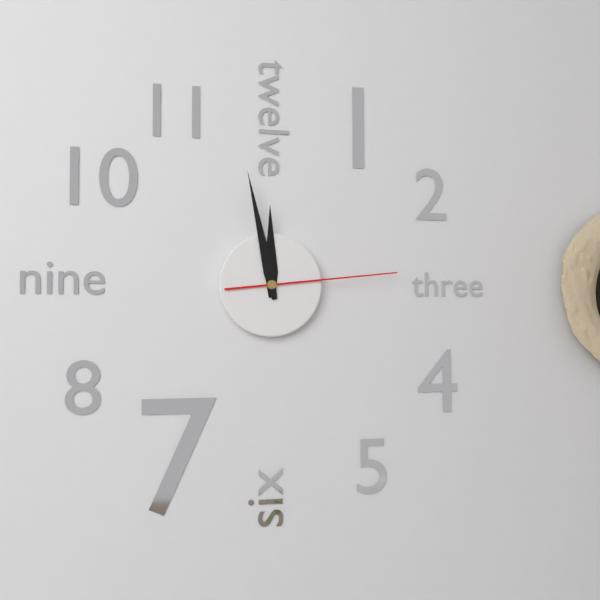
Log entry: 11h58m14s
